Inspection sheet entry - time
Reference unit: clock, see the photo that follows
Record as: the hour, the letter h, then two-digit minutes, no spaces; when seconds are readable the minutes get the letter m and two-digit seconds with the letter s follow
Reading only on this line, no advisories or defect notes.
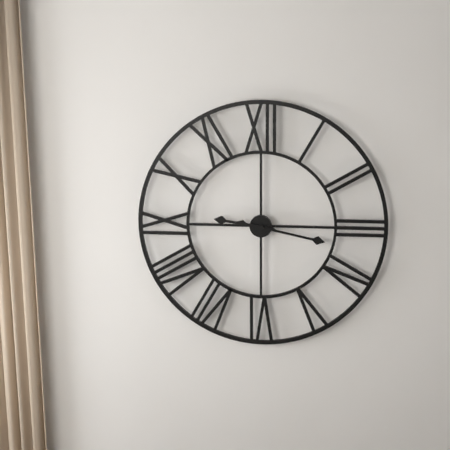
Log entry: 9h17
